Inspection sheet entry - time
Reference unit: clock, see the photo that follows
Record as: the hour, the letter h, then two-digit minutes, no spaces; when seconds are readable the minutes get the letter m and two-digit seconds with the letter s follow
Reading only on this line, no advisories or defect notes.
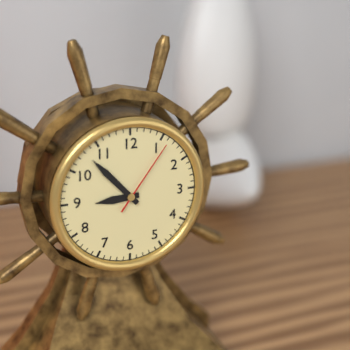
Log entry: 8h53m06s
